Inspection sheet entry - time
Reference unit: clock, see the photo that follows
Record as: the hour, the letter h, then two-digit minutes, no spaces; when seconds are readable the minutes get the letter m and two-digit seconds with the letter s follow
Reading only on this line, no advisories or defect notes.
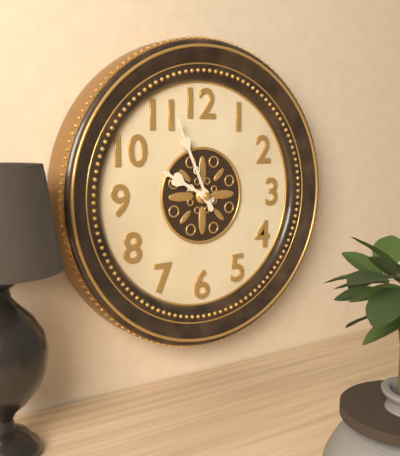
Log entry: 9h56
